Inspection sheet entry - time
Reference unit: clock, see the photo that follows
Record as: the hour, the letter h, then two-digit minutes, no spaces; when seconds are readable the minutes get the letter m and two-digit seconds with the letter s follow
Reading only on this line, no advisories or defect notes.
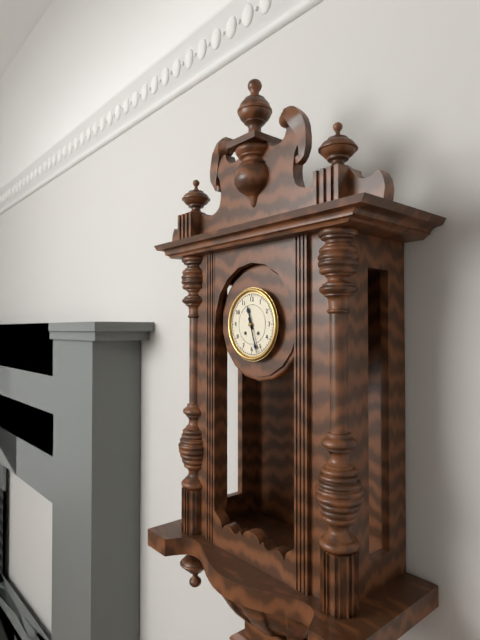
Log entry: 11h27
